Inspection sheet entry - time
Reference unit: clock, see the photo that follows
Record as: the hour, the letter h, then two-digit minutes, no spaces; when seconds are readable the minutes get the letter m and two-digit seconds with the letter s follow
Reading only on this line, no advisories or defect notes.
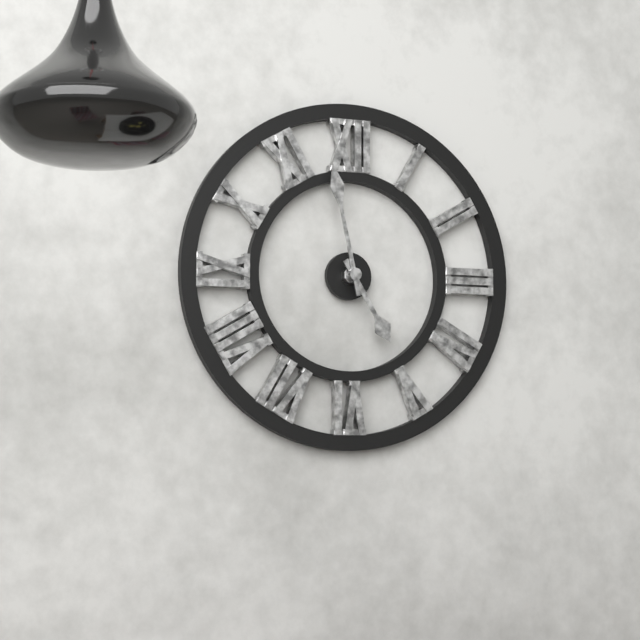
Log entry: 4h58
